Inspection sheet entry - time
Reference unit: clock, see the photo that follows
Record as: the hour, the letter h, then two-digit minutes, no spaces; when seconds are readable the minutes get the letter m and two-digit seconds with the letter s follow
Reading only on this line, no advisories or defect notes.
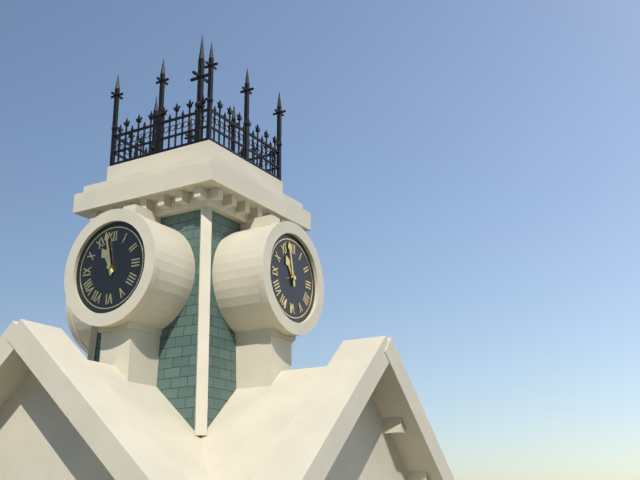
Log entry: 10h58
